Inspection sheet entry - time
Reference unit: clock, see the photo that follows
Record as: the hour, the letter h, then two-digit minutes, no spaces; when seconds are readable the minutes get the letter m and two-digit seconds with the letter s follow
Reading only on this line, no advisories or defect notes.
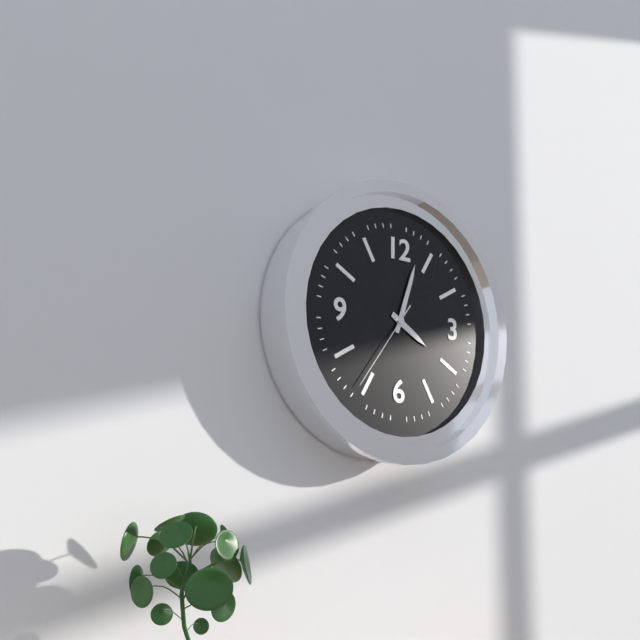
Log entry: 4h03m36s
